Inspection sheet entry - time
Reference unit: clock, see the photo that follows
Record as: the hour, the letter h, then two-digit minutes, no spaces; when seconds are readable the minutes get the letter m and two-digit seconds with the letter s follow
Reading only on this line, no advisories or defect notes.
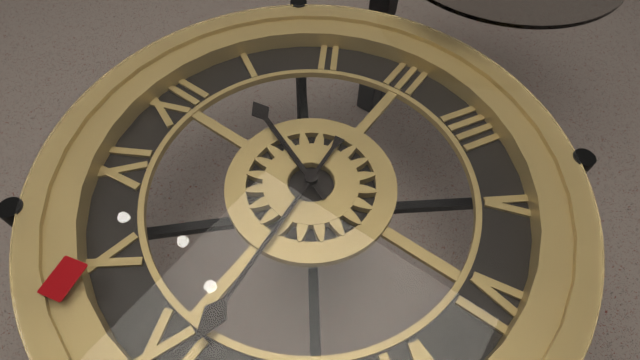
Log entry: 12h44
